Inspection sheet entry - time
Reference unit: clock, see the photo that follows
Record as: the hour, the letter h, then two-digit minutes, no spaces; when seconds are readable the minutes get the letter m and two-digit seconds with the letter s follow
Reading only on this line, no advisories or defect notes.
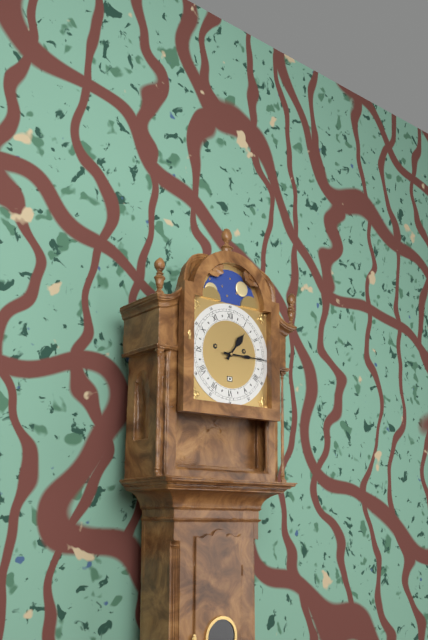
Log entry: 1h15
